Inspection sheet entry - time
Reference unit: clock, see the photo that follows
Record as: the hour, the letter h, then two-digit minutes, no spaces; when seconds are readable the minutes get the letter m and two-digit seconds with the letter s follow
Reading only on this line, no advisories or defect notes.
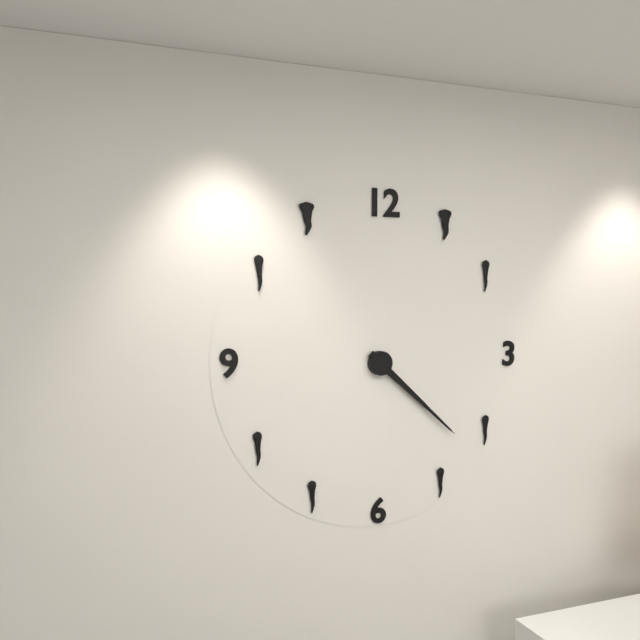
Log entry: 4h22
